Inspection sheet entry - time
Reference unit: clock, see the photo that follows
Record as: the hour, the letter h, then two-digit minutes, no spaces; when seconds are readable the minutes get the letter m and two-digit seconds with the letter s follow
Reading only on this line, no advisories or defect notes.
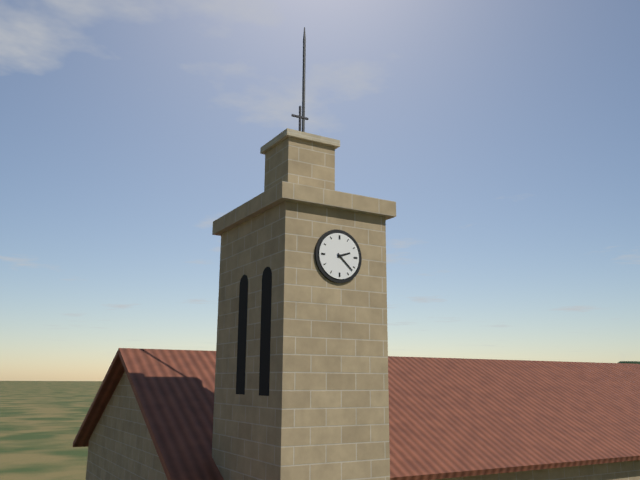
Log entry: 2h22
